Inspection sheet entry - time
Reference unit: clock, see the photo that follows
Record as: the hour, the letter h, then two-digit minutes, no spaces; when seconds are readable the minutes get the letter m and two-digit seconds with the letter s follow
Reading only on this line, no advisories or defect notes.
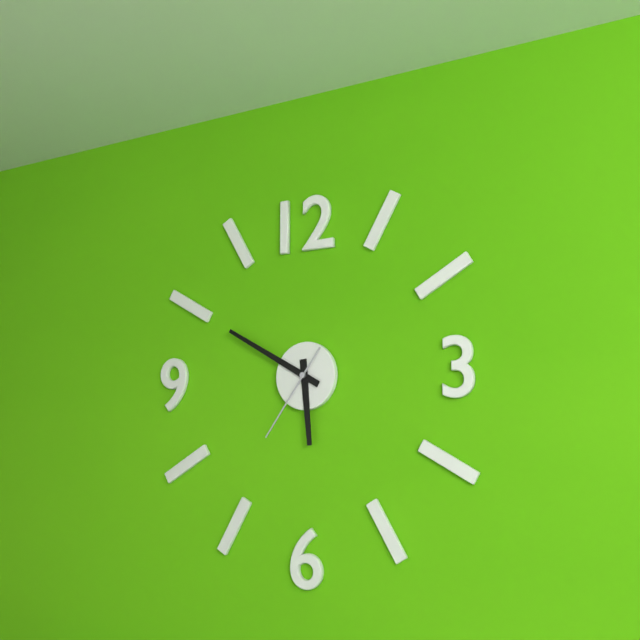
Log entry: 5h50m36s
